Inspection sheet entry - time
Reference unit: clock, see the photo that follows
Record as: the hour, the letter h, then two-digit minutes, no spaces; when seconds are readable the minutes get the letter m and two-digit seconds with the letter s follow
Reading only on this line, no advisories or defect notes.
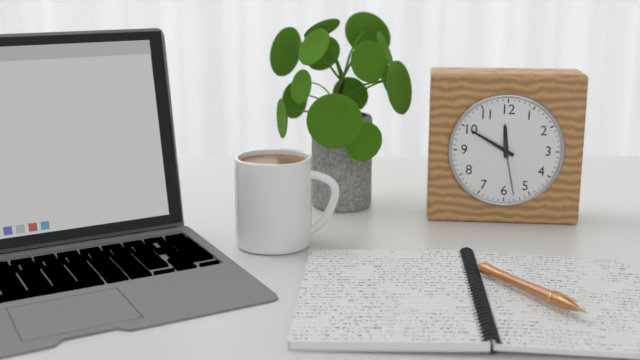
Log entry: 11h50m28s
